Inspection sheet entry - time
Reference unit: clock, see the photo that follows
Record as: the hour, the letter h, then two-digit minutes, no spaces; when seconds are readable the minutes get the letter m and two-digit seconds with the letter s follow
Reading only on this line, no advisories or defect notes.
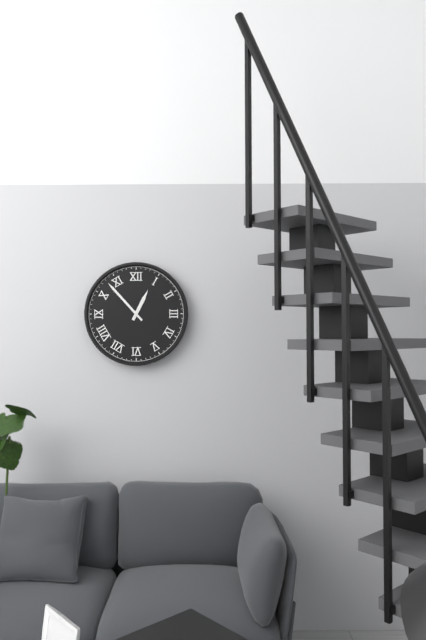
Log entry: 12h53
